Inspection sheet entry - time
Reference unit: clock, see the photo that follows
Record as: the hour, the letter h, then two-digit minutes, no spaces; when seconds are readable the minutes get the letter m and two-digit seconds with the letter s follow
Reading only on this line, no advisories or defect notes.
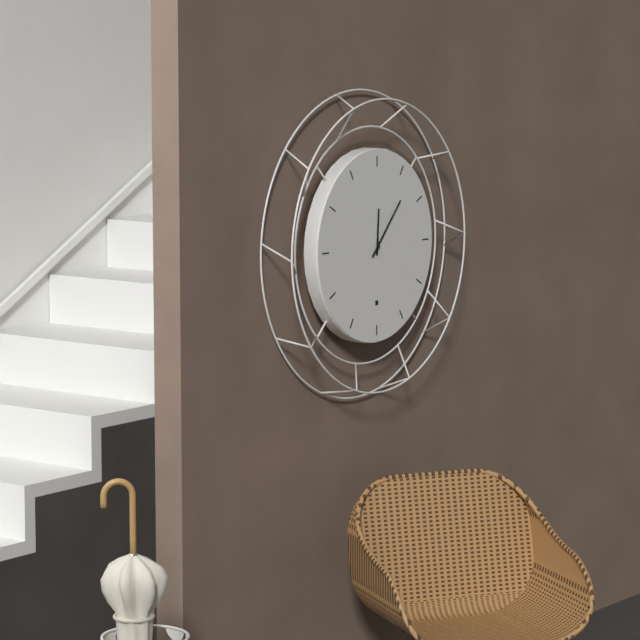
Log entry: 12h07
